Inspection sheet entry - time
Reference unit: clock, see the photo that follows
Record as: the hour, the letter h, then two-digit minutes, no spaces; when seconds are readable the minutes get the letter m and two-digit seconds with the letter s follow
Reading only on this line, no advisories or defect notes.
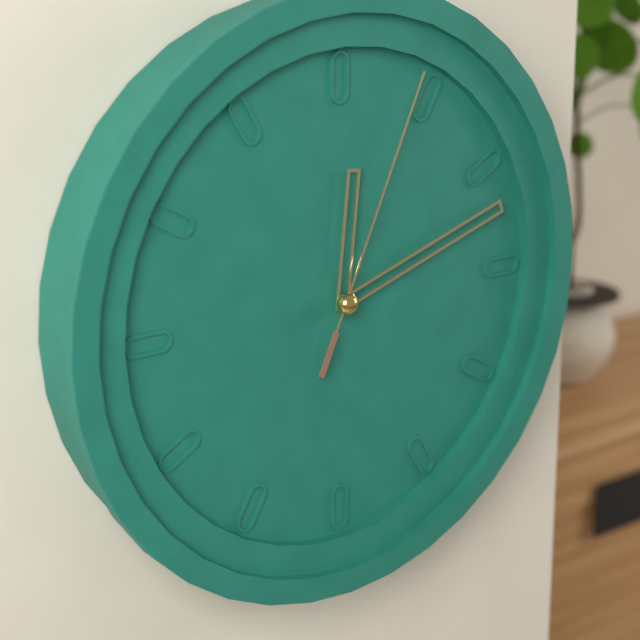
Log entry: 12h12m04s
